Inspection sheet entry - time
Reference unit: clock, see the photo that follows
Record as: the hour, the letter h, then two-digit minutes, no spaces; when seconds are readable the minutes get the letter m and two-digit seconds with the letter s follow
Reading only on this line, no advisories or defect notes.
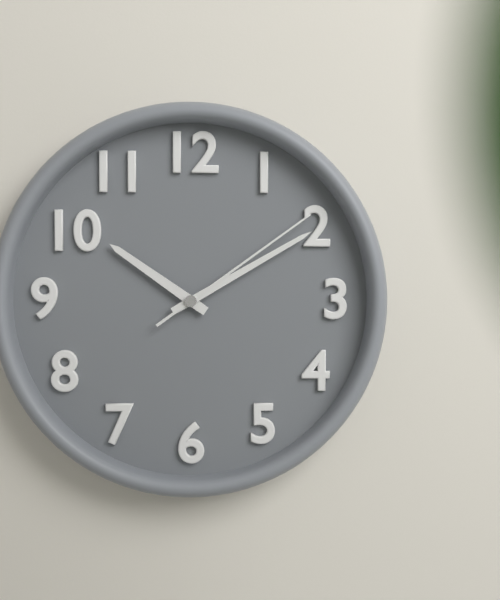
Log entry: 10h10m09s
